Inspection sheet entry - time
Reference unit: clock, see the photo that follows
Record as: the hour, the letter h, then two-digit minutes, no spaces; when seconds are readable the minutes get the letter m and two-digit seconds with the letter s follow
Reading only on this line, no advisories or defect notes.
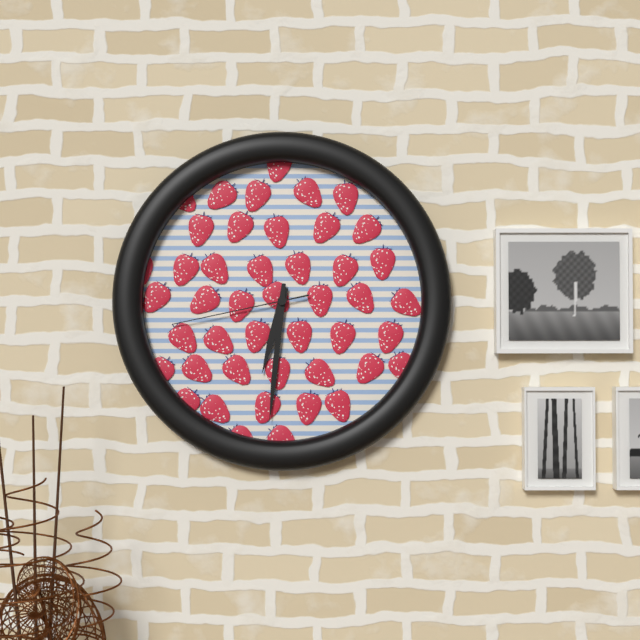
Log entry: 6h31m43s
